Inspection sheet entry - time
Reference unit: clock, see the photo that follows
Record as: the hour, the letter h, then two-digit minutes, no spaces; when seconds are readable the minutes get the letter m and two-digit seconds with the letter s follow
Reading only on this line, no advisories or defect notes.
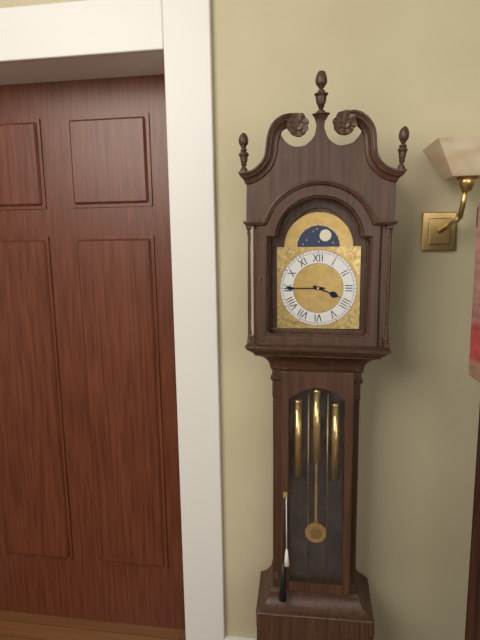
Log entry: 3h45
